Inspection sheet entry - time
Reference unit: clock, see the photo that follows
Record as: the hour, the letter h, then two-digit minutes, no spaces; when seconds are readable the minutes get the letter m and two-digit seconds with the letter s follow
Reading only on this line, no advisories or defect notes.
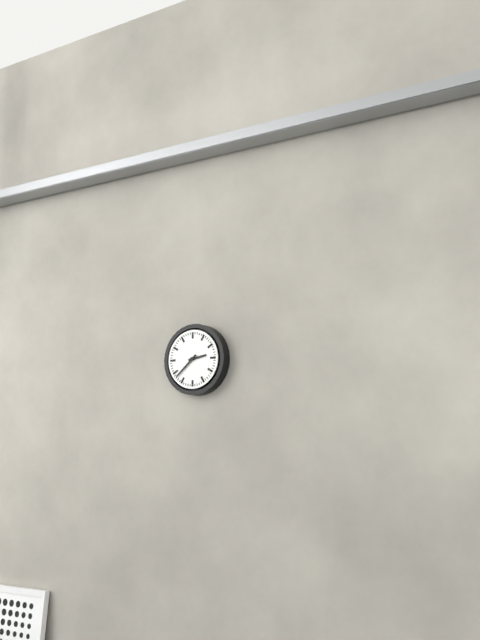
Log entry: 2h38
